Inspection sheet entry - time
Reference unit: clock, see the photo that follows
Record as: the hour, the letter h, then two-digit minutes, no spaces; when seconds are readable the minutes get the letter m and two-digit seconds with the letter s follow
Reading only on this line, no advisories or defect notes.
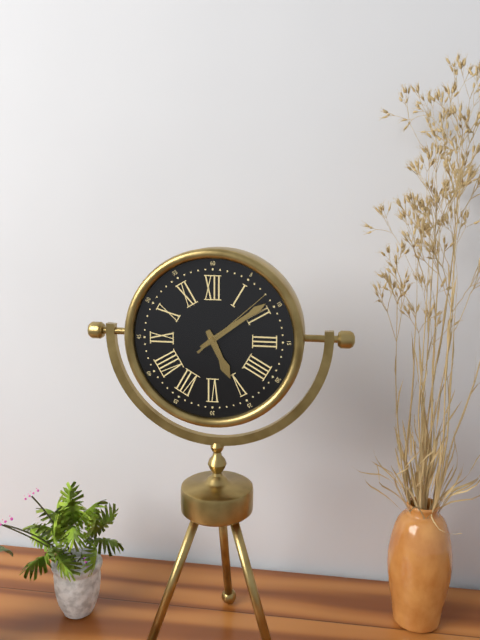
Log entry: 5h09m08s
